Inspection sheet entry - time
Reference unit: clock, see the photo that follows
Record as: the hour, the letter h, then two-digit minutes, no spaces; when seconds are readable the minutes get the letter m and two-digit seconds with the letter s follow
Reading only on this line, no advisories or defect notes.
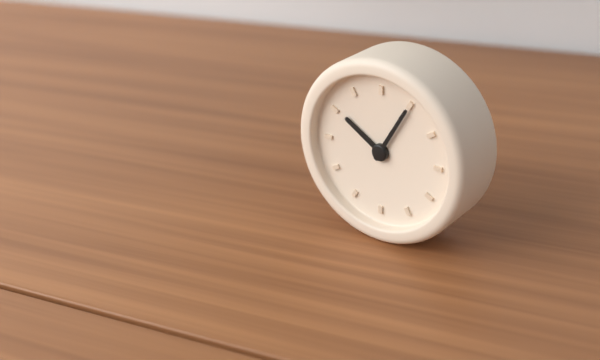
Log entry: 10h05
